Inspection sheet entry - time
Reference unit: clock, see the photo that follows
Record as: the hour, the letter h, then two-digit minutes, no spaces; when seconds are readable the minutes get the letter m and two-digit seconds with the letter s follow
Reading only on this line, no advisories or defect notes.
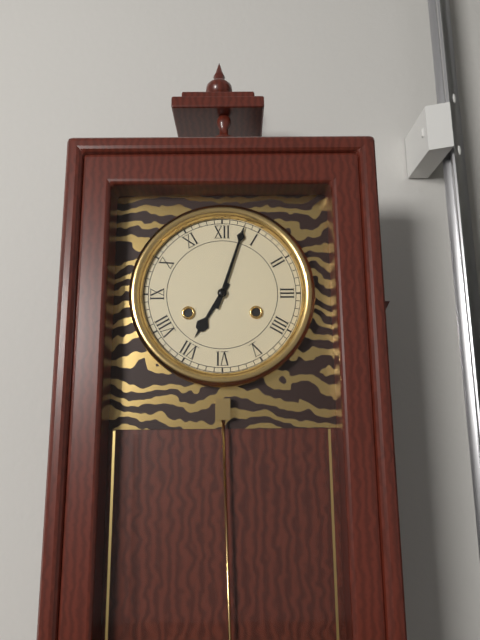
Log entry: 7h03
